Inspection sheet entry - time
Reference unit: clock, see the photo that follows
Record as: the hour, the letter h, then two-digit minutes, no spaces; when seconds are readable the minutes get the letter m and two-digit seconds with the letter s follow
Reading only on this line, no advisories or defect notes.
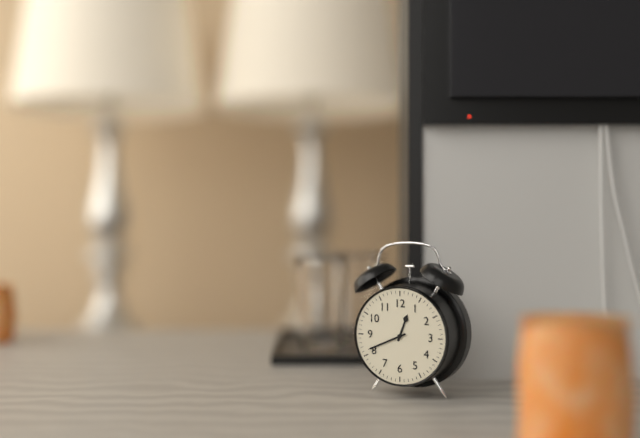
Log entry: 12h41
